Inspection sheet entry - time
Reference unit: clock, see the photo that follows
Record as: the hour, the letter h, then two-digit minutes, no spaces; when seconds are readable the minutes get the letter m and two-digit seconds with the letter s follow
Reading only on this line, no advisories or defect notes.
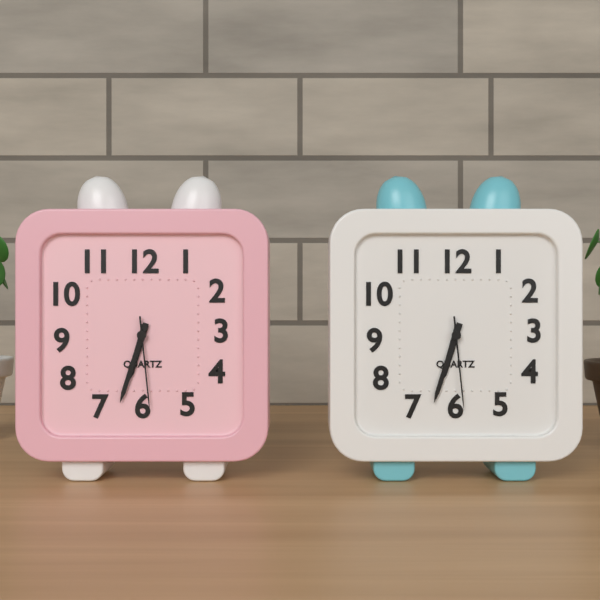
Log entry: 6h33m29s
